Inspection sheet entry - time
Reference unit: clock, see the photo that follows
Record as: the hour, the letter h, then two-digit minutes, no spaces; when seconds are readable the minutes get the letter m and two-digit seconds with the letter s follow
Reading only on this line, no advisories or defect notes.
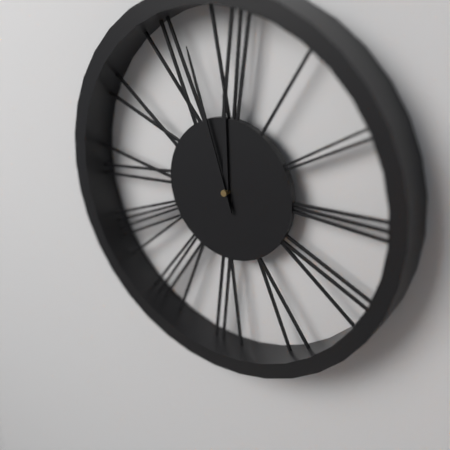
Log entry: 11h57
